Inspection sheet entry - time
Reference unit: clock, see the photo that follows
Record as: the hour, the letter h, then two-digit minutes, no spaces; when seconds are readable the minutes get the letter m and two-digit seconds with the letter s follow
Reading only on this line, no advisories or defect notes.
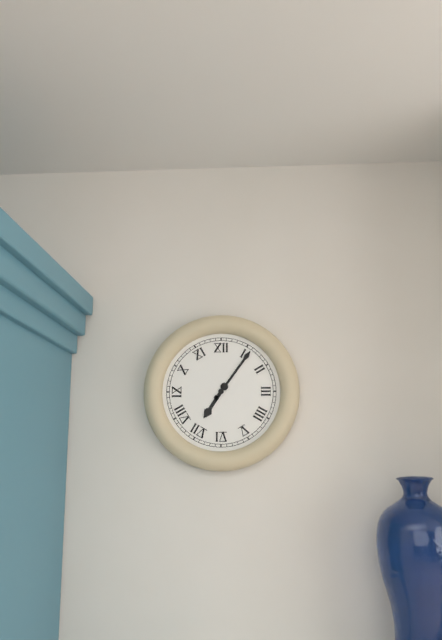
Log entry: 7h06
